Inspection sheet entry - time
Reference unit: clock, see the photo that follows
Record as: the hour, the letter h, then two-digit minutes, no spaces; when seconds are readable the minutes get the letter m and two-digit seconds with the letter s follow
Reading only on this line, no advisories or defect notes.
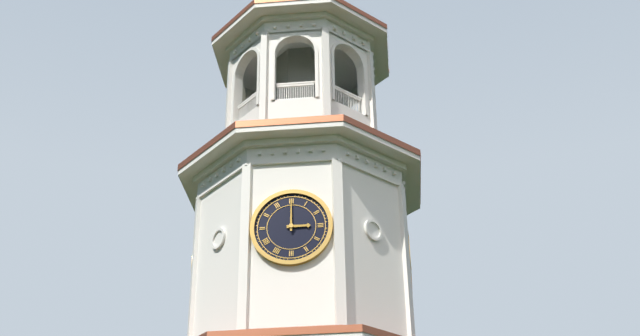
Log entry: 3h00
